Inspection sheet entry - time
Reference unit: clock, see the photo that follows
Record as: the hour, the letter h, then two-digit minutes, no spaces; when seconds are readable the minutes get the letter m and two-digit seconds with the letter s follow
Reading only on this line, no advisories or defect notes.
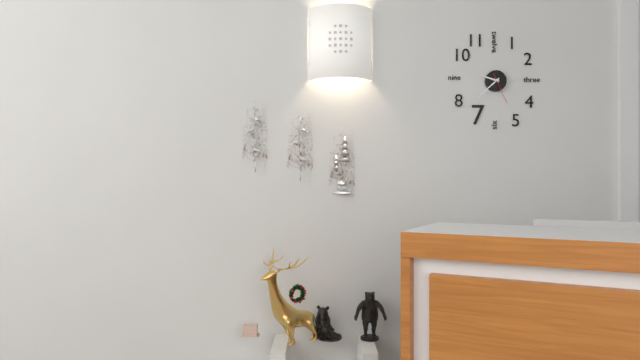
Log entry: 9h38
